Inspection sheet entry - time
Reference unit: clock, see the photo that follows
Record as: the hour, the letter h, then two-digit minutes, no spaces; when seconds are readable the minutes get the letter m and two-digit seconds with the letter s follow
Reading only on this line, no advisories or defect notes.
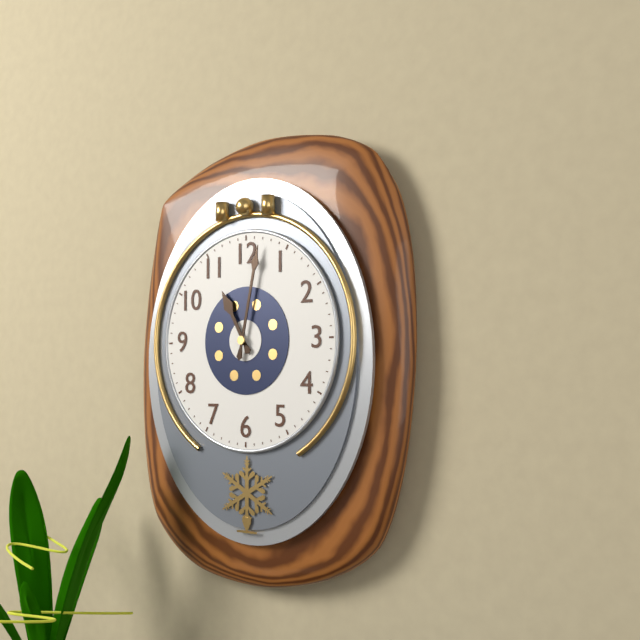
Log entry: 11h02
